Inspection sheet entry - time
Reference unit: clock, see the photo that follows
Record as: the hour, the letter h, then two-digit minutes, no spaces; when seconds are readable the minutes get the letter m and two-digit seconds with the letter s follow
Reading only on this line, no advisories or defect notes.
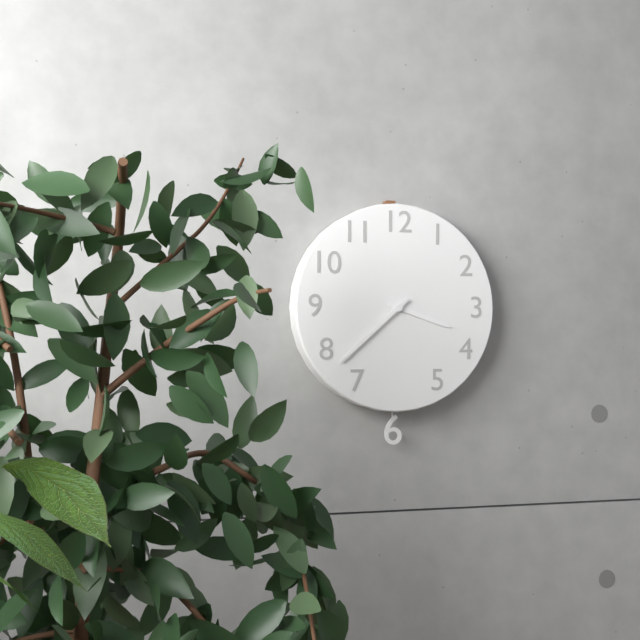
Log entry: 3h38
